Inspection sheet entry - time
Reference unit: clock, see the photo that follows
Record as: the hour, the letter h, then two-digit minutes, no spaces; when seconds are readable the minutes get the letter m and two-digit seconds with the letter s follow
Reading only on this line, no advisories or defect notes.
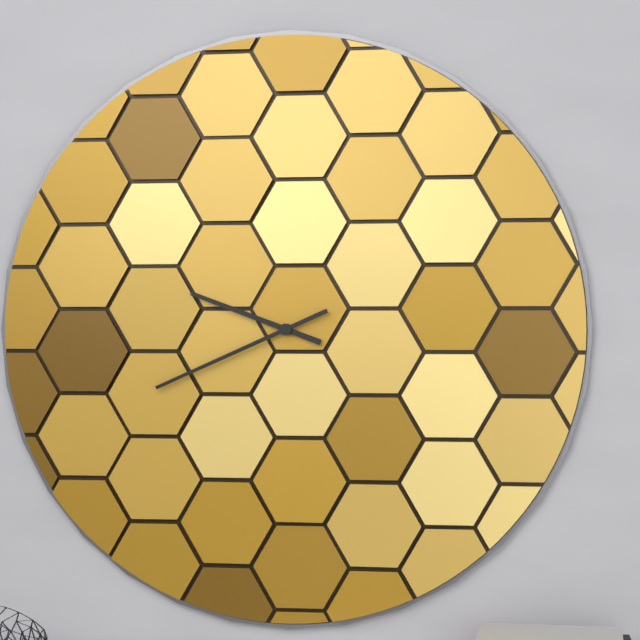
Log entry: 9h41
